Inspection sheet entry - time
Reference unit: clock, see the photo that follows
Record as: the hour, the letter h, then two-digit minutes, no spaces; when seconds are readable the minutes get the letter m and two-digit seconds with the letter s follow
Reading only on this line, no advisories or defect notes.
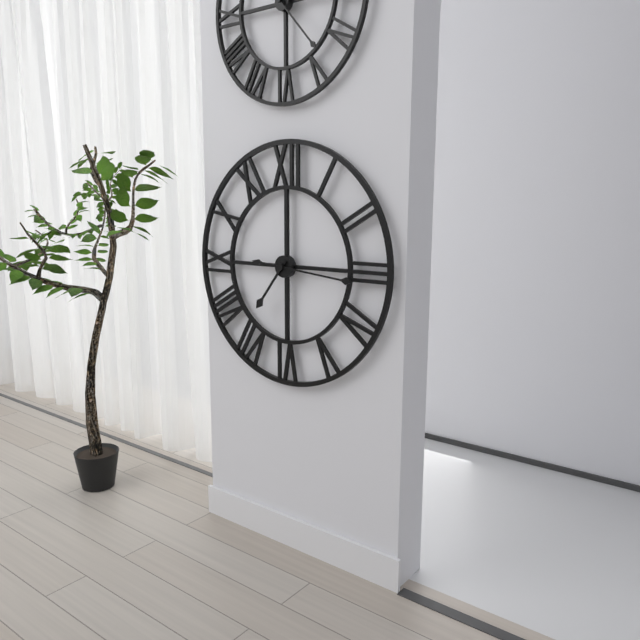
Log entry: 7h16
